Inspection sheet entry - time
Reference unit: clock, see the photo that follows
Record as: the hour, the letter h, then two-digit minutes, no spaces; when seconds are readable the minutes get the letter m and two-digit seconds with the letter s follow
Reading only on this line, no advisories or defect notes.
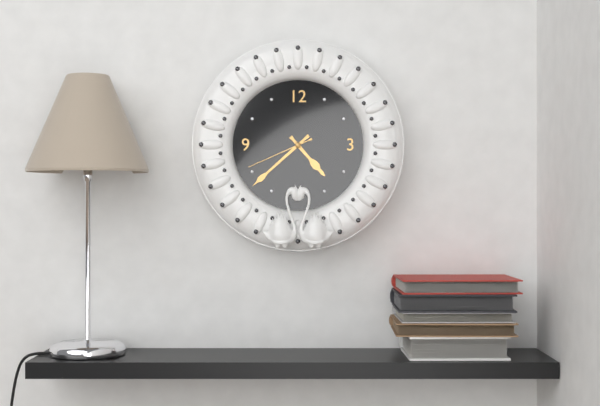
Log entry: 4h38m41s
